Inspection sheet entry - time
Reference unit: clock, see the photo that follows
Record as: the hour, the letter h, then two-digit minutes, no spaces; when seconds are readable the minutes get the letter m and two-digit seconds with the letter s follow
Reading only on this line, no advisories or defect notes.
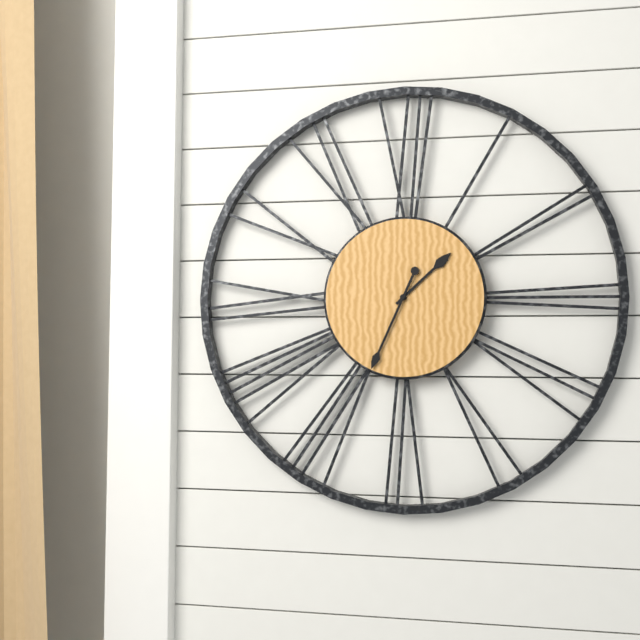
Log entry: 1h34
